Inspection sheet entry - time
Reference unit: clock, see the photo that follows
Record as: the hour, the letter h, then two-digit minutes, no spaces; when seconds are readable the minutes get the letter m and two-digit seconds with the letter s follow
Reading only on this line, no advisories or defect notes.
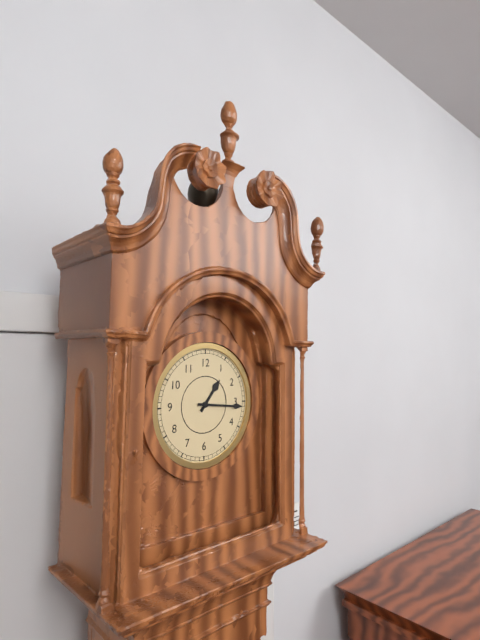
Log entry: 1h16
